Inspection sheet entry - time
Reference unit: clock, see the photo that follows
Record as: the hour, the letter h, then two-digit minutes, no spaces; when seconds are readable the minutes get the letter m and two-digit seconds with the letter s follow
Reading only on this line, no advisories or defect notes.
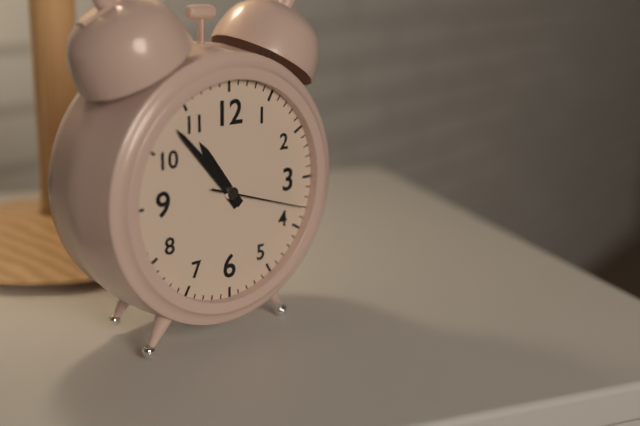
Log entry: 10h53m18s
